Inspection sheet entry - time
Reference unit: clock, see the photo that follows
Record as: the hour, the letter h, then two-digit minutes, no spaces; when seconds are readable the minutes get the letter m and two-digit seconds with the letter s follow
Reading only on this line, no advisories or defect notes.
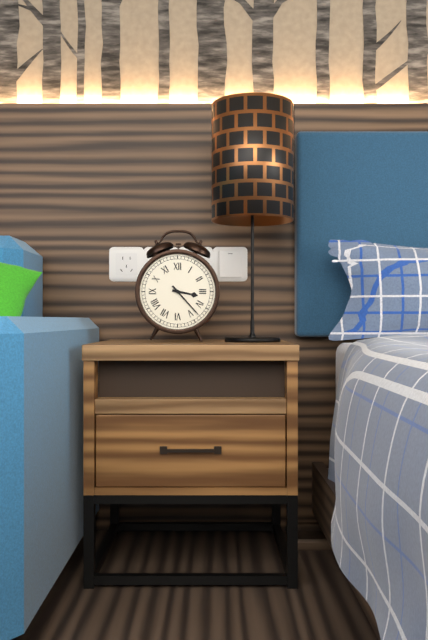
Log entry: 3h23
